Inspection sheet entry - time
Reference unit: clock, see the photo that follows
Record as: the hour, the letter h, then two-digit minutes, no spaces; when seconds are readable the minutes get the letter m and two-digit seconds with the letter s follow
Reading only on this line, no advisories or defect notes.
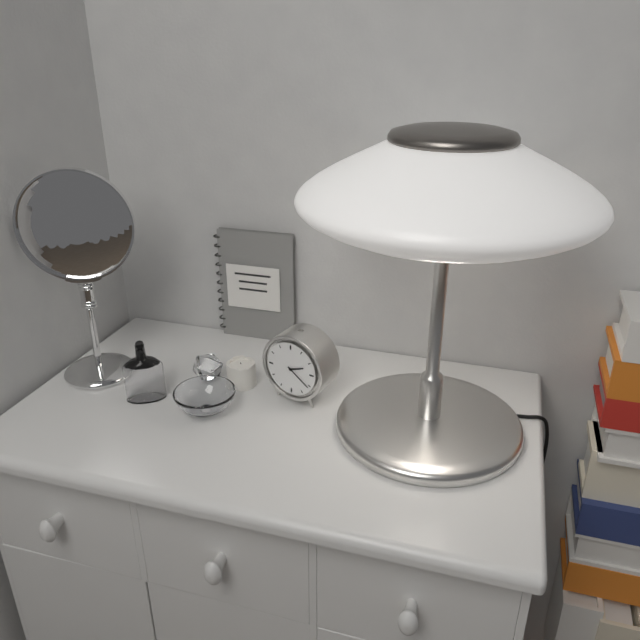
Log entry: 2h21
